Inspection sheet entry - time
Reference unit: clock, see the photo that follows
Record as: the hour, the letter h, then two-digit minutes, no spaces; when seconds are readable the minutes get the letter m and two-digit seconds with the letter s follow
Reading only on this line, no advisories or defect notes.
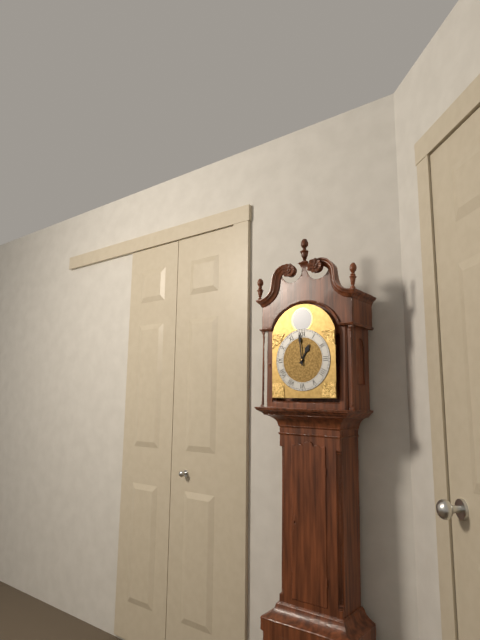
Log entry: 12h59
